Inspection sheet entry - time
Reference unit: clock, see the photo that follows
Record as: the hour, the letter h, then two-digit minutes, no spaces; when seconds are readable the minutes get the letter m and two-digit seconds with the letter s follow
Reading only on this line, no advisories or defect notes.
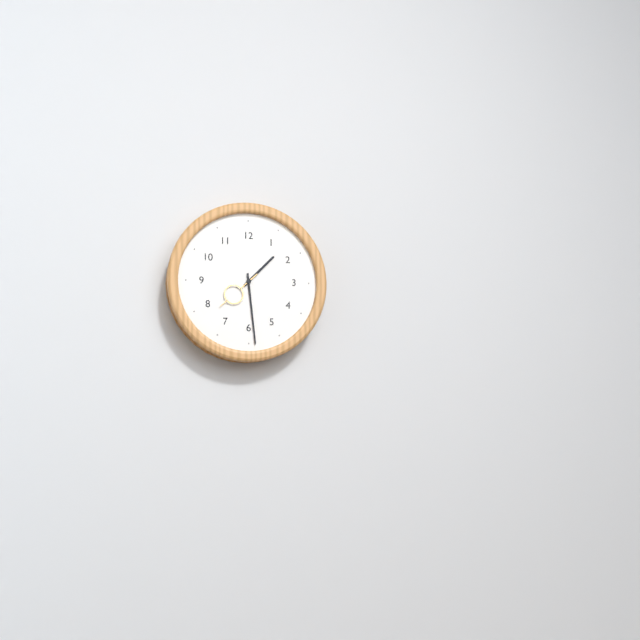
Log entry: 1h29
